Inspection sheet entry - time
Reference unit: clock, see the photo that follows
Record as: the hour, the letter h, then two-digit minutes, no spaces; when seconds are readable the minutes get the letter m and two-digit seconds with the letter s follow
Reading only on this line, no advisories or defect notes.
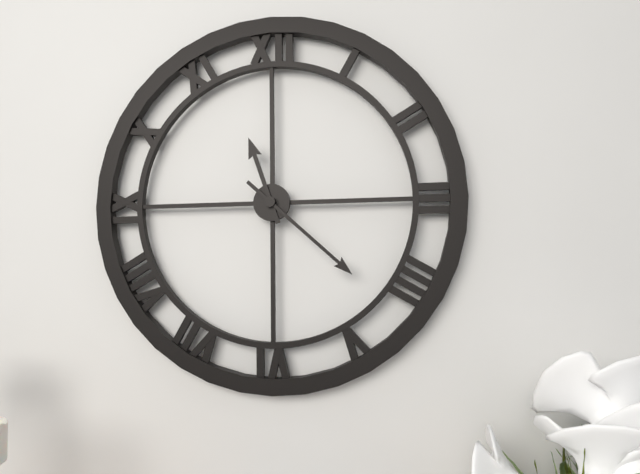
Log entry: 11h22
